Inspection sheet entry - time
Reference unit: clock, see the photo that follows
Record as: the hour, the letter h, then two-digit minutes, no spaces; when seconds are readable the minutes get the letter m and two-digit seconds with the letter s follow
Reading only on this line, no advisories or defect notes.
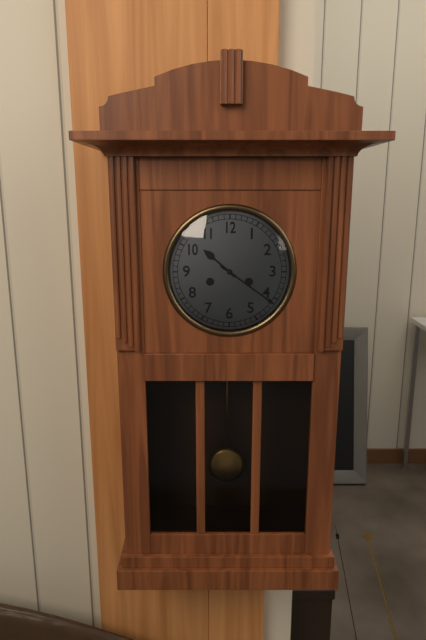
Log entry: 10h21
